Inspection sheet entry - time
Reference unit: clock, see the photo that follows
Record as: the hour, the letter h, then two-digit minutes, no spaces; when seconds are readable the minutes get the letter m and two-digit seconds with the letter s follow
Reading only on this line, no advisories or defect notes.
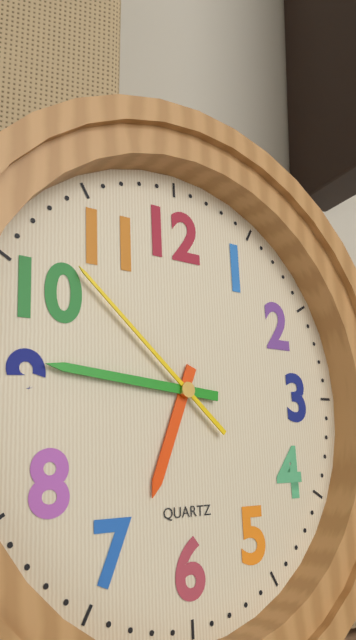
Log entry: 6h46m52s
